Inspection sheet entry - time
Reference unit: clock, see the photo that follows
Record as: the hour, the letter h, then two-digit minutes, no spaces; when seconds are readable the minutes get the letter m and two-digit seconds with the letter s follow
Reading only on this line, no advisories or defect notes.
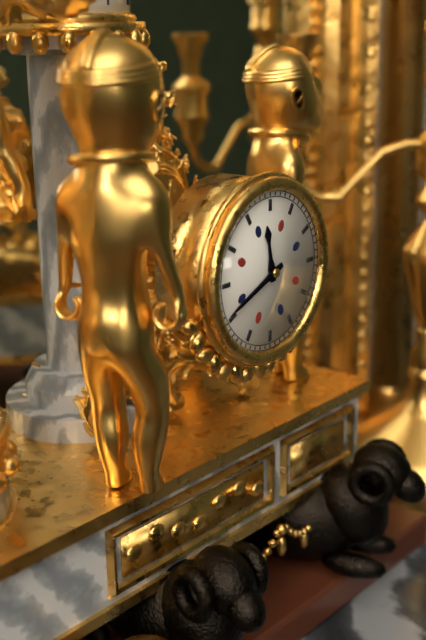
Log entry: 11h41
